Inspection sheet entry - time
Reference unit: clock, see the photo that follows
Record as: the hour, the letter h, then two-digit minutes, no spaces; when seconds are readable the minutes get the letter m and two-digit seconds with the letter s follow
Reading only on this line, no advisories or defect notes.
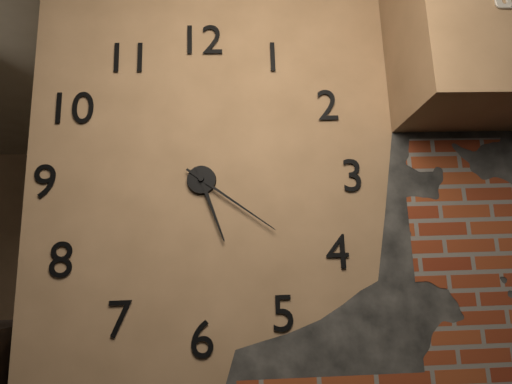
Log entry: 5h21
